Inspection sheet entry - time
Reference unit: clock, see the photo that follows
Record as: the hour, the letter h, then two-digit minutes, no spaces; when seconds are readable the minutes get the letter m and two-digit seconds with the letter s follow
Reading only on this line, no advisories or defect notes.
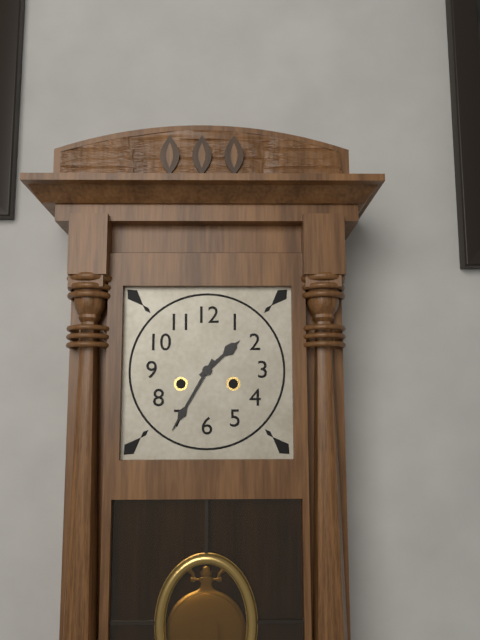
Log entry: 1h35
